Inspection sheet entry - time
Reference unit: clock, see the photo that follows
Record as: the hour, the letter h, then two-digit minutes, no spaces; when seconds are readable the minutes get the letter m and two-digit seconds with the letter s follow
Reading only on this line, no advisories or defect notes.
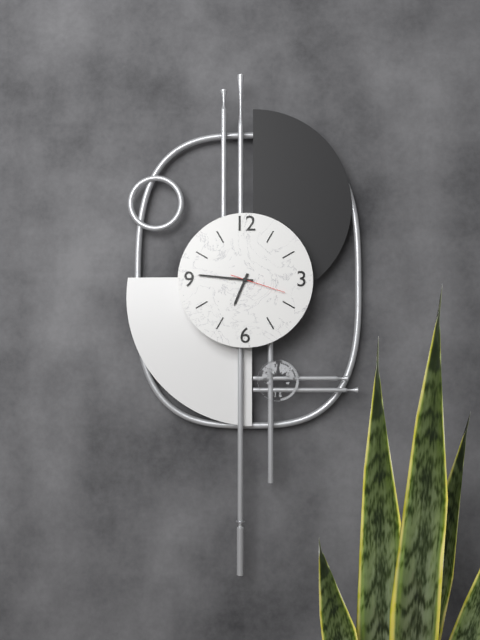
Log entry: 6h46m18s
